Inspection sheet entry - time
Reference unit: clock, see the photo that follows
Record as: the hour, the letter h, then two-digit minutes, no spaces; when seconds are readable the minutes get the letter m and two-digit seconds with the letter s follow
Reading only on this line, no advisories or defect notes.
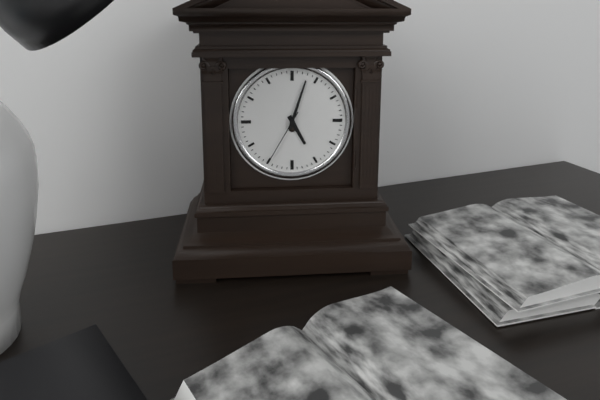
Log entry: 5h03m35s
